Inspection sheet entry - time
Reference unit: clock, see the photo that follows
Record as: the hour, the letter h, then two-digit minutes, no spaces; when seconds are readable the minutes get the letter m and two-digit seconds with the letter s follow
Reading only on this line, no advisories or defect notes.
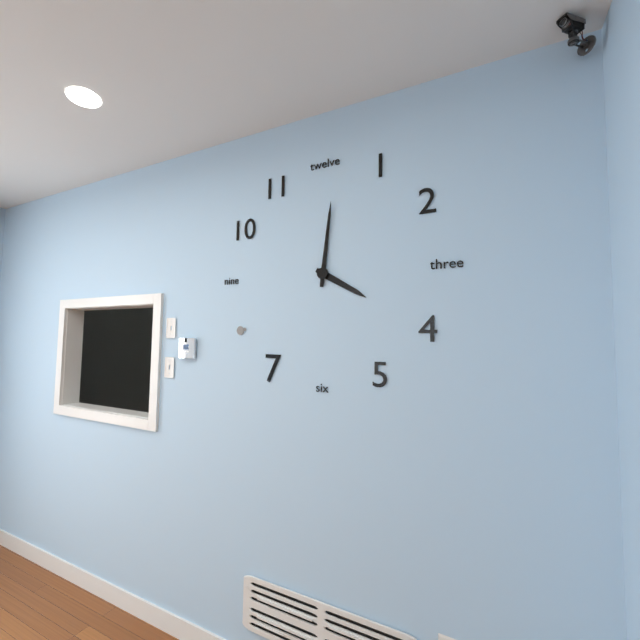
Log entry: 4h01
